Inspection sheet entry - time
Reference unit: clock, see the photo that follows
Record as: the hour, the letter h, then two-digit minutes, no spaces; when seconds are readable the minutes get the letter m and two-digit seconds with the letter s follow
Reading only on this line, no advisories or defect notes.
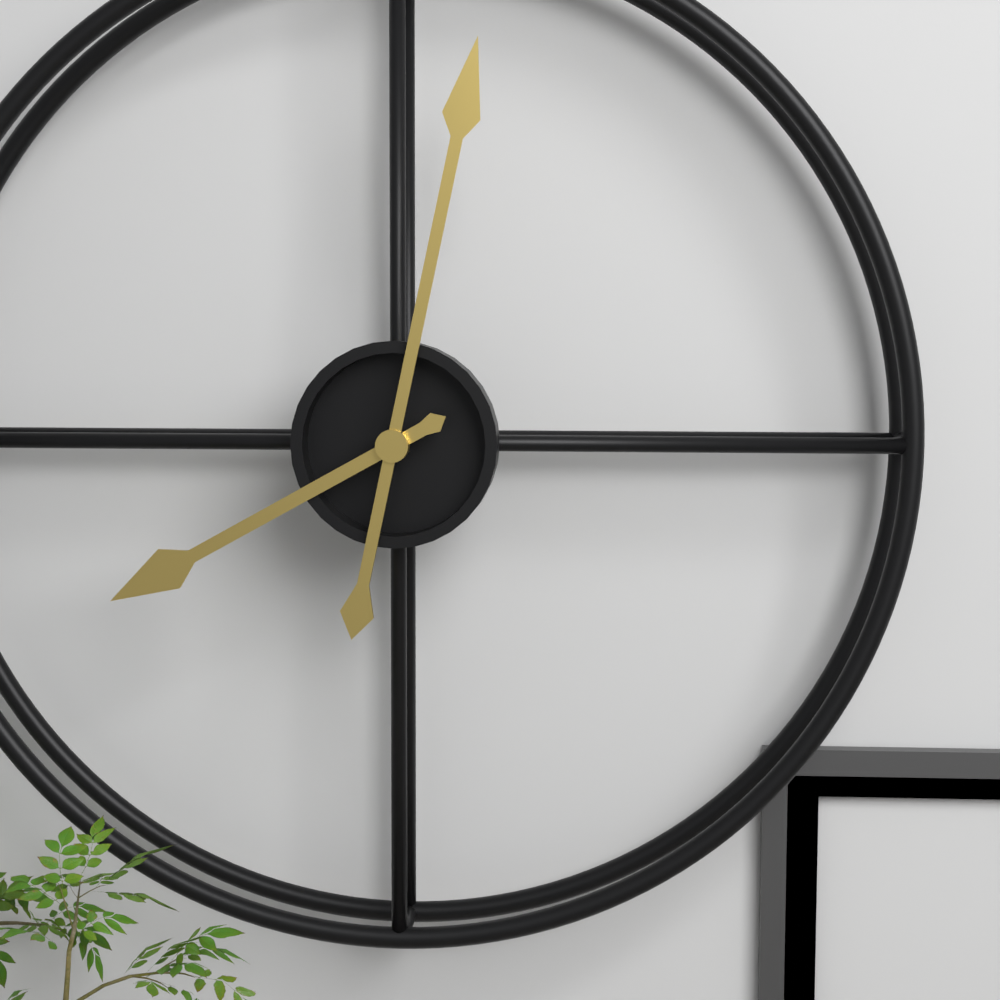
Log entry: 8h02
